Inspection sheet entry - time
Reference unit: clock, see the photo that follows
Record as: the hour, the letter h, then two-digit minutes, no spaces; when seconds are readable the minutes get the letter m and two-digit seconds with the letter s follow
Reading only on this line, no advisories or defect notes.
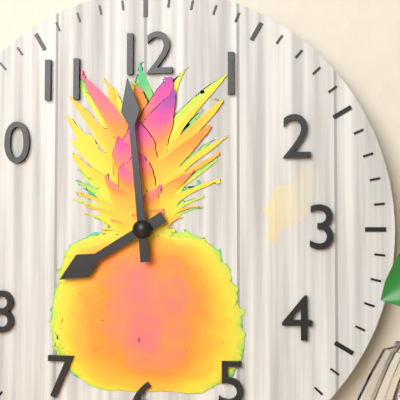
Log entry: 7h59
